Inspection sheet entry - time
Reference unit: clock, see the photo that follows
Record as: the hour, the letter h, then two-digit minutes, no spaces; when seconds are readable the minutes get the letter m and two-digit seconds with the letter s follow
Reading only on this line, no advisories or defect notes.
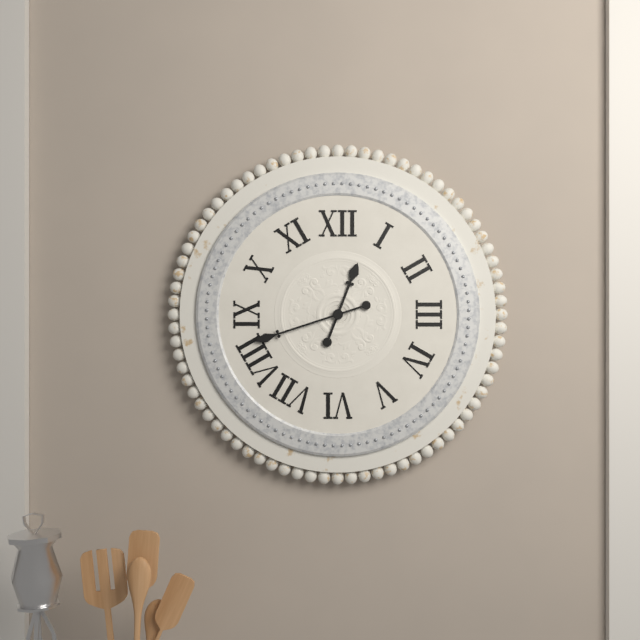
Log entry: 12h42
